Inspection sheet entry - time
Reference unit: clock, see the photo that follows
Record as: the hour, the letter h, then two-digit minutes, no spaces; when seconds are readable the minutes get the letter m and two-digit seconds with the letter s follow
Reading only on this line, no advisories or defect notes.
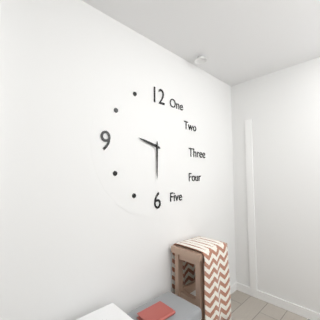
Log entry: 9h30
